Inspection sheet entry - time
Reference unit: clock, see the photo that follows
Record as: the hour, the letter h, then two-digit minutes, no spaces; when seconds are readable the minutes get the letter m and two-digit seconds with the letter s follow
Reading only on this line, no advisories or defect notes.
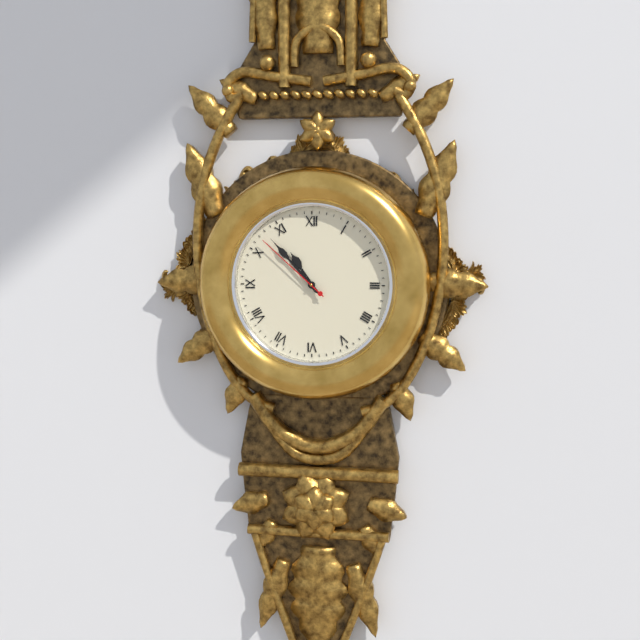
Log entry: 10h53m52s
